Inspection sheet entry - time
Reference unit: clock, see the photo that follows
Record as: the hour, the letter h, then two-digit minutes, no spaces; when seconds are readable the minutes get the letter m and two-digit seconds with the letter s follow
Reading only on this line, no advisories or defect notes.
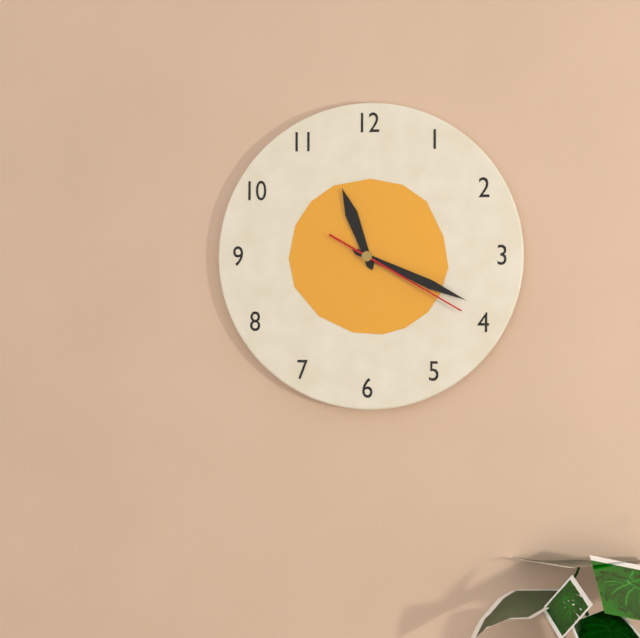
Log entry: 11h19m20s
